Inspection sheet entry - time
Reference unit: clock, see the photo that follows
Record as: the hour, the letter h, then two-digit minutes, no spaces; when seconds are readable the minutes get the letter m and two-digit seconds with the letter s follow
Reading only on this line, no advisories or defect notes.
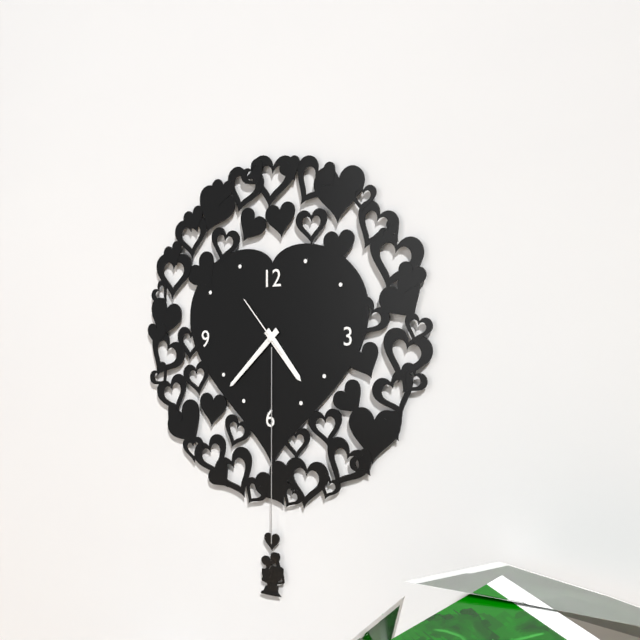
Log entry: 4h38m53s
